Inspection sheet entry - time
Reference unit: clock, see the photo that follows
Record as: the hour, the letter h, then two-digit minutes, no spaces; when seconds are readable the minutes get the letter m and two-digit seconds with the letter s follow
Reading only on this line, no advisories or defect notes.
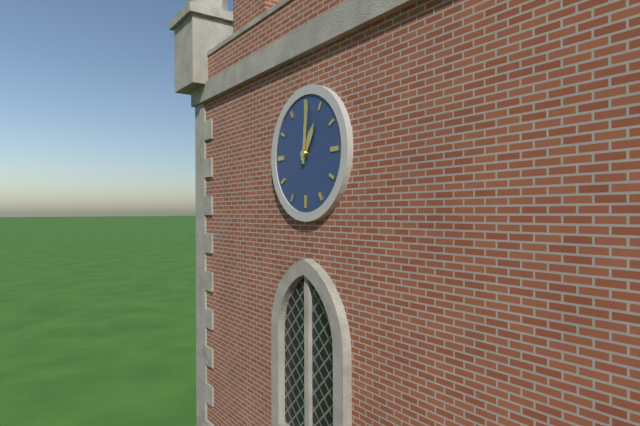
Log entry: 1h01
